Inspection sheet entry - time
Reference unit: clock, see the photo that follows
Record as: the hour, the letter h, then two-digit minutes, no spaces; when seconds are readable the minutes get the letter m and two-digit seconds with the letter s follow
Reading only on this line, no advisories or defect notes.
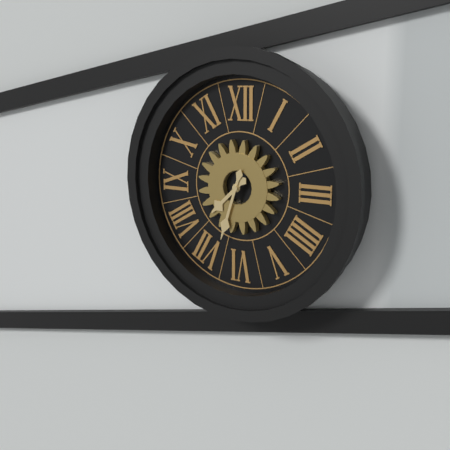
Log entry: 7h33
